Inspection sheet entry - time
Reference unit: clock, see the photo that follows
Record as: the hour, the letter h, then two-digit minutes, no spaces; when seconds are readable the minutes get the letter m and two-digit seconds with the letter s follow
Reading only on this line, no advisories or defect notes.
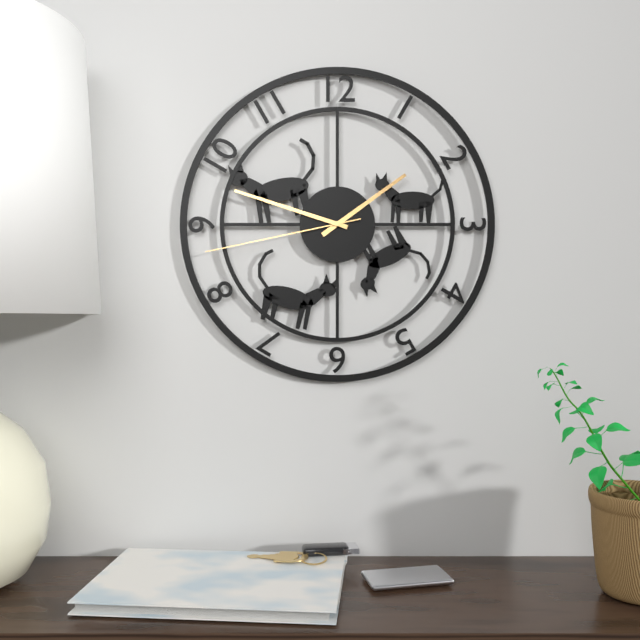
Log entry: 1h48m43s
